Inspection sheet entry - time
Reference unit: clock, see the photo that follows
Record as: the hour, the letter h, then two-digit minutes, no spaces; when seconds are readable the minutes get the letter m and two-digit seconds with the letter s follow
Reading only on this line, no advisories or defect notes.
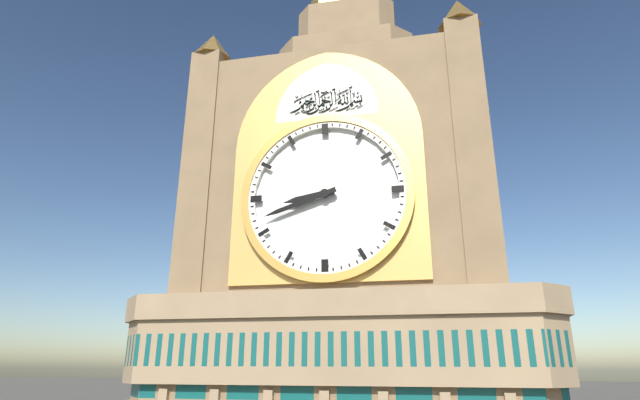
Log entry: 8h42
